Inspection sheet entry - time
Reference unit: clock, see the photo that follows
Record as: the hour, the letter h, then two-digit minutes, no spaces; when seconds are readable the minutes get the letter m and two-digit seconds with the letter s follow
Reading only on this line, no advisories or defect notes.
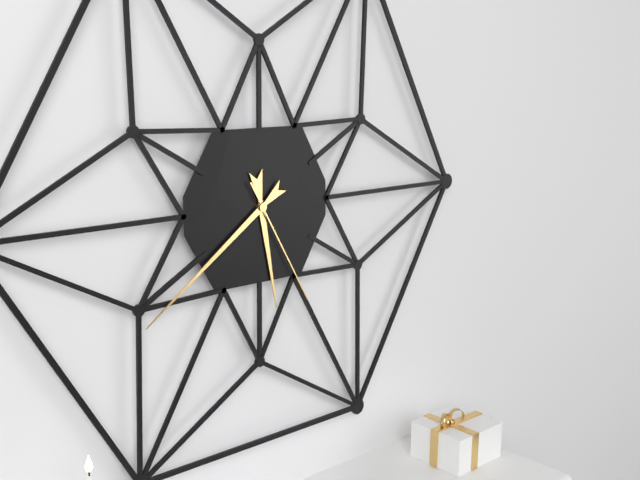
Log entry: 5h39m25s
